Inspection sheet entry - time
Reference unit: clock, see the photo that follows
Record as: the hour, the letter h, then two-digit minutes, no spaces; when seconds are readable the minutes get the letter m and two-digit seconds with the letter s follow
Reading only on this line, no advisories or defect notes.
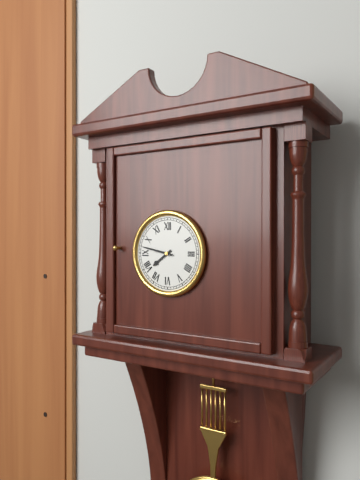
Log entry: 7h47
